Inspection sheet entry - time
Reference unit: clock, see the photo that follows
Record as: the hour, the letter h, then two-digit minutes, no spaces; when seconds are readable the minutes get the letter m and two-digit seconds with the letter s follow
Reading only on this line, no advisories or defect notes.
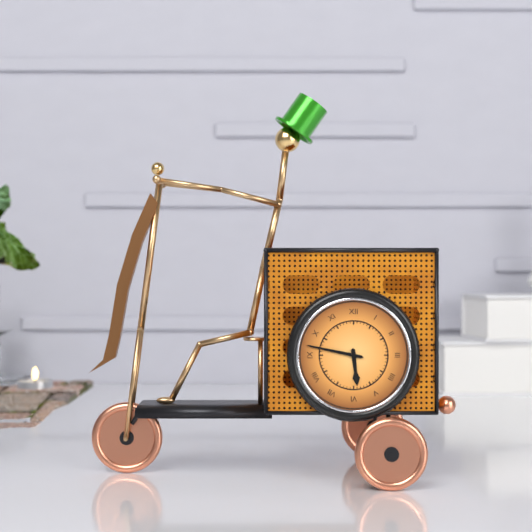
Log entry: 5h47
